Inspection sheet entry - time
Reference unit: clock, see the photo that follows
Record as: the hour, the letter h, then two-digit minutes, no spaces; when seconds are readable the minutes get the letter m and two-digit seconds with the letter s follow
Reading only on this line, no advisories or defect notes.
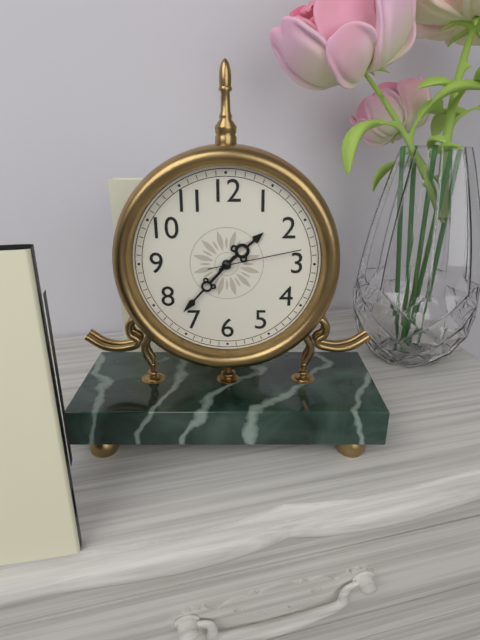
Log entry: 1h37m13s
